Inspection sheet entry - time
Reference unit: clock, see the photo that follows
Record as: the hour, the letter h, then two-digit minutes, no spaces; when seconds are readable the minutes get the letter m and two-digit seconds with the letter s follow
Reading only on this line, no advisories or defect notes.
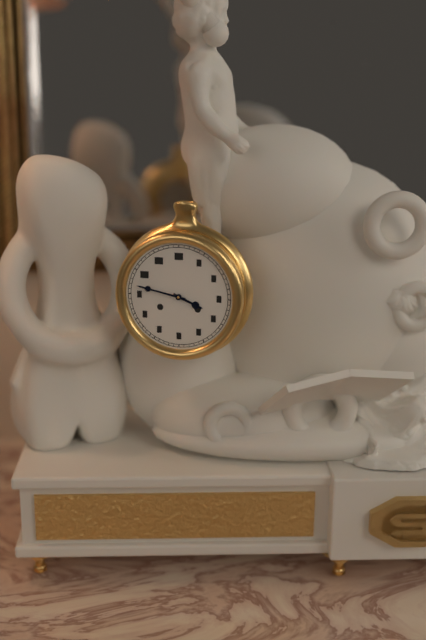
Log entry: 3h47
